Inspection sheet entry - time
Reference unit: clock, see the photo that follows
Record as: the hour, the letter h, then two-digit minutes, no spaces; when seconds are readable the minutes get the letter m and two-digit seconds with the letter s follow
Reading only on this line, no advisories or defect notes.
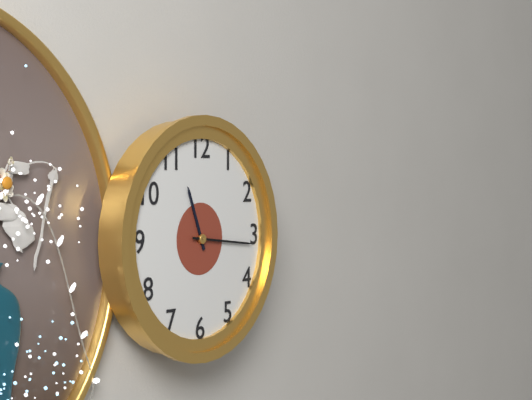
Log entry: 11h16
